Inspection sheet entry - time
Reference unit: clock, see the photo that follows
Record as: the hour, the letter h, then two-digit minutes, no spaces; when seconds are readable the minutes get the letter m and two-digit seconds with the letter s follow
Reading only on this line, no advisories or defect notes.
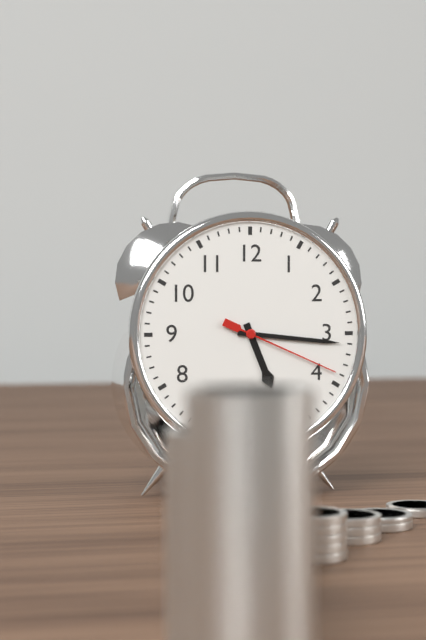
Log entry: 5h16m19s
